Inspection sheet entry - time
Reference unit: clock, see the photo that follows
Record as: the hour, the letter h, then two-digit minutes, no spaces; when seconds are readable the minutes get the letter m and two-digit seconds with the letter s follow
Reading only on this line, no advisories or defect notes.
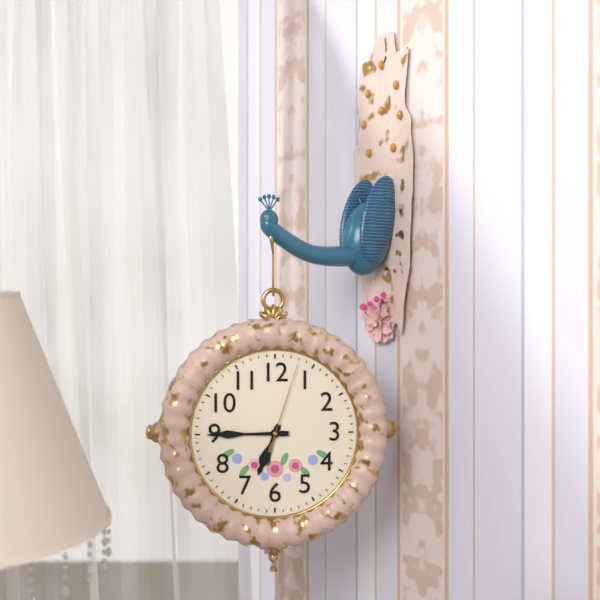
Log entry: 6h45m03s
